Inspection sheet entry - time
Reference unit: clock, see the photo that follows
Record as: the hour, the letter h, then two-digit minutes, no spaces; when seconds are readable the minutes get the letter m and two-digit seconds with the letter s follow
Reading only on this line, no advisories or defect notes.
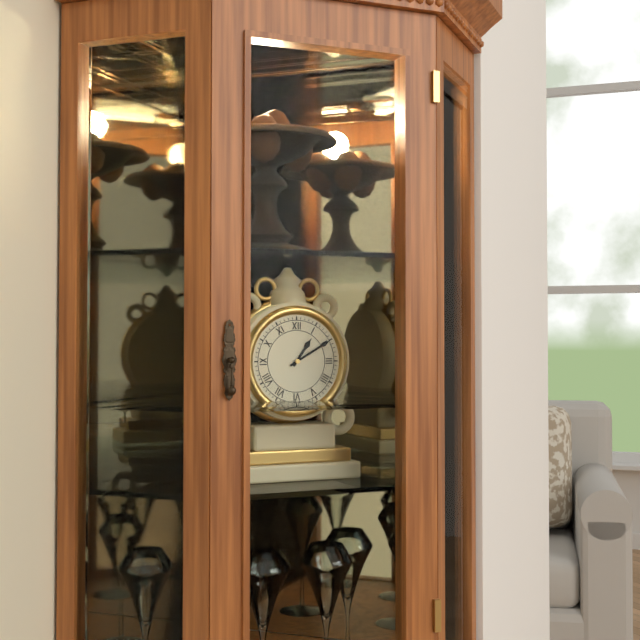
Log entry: 1h10
